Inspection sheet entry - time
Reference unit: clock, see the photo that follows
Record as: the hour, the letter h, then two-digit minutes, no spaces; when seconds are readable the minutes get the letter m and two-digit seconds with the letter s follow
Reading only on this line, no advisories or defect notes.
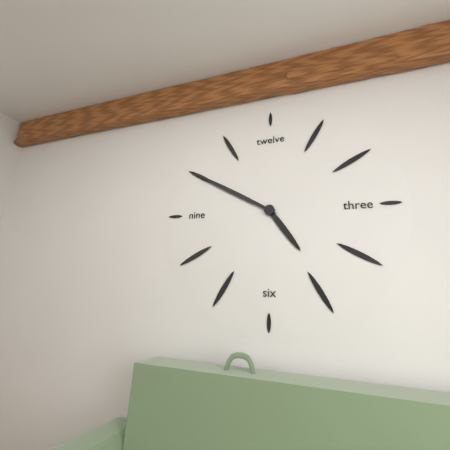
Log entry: 4h50
